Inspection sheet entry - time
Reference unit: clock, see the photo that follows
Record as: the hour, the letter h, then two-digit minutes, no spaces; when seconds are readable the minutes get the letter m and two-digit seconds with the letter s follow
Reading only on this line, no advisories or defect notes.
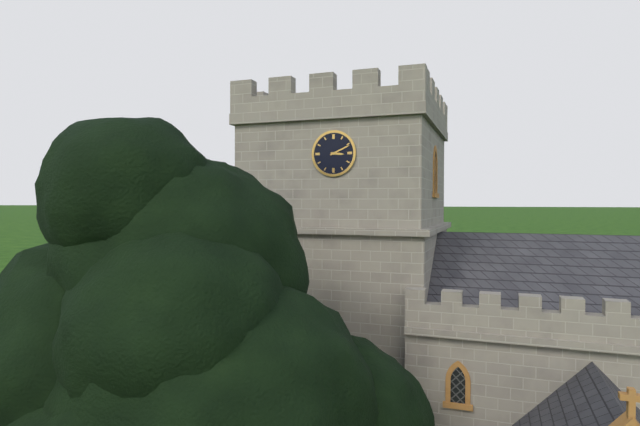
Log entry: 3h11
